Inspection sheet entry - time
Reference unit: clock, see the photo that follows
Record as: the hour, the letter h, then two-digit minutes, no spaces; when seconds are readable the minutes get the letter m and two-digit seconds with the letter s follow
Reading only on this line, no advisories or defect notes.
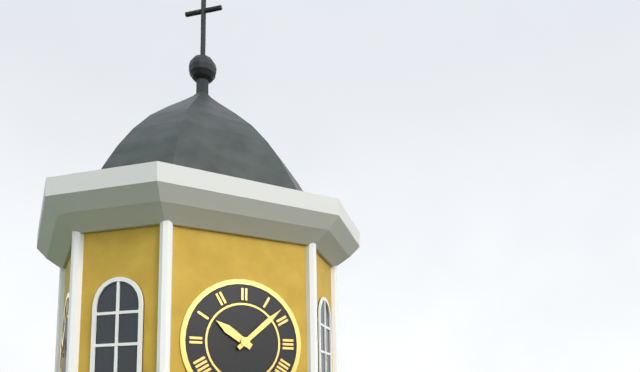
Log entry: 10h08
